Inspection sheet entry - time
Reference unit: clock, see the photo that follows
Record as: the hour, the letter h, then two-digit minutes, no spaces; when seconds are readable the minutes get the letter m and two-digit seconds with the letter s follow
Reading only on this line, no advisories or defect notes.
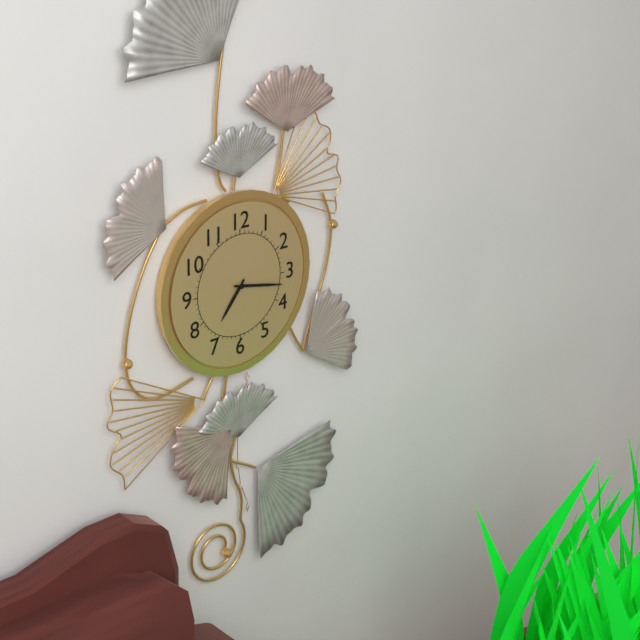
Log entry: 7h17
